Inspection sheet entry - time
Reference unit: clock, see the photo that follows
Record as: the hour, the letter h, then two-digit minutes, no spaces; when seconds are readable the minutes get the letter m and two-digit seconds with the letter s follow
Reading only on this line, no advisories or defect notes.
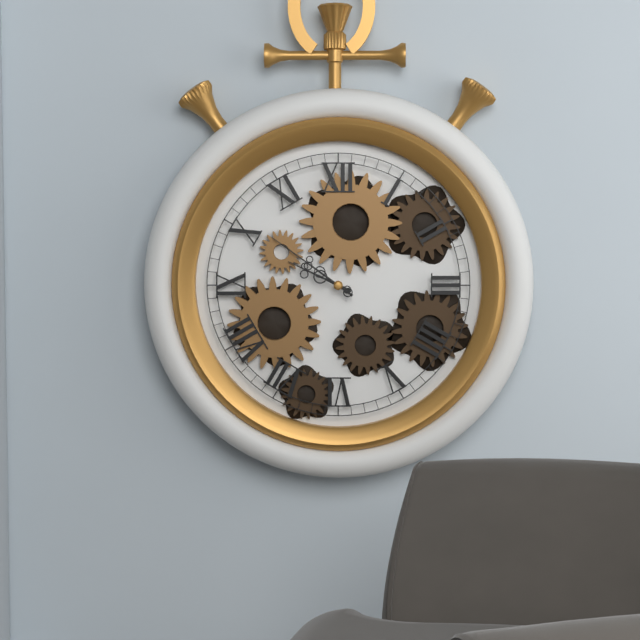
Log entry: 9h51
